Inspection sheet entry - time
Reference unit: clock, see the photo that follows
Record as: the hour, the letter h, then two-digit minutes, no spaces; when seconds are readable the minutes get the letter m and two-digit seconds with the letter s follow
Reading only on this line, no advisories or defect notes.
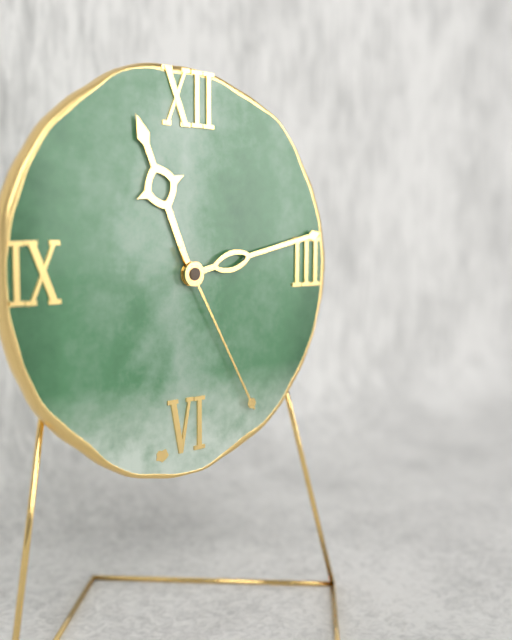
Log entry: 11h13m25s
